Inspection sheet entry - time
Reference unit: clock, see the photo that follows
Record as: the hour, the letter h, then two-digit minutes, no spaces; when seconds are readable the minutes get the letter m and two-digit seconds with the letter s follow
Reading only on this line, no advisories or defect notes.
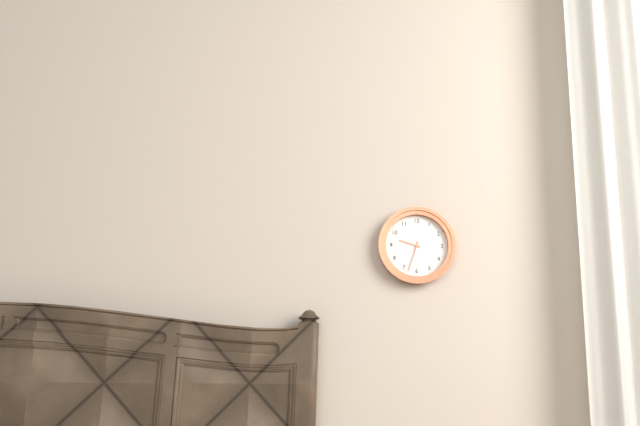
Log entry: 9h33
